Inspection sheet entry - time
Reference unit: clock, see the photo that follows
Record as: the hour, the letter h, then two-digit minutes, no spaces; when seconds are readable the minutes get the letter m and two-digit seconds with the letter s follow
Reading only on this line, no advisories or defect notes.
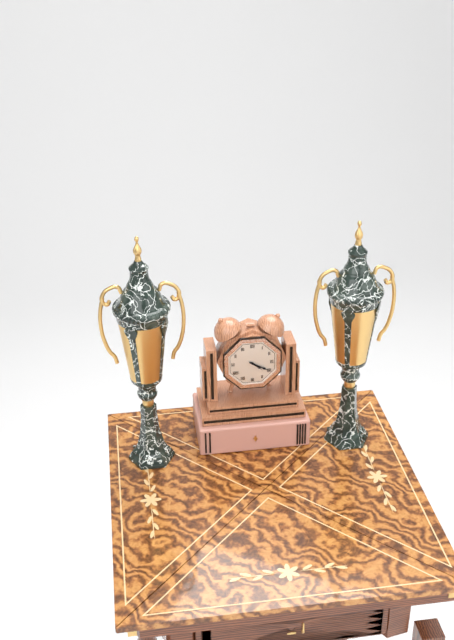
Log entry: 4h20
